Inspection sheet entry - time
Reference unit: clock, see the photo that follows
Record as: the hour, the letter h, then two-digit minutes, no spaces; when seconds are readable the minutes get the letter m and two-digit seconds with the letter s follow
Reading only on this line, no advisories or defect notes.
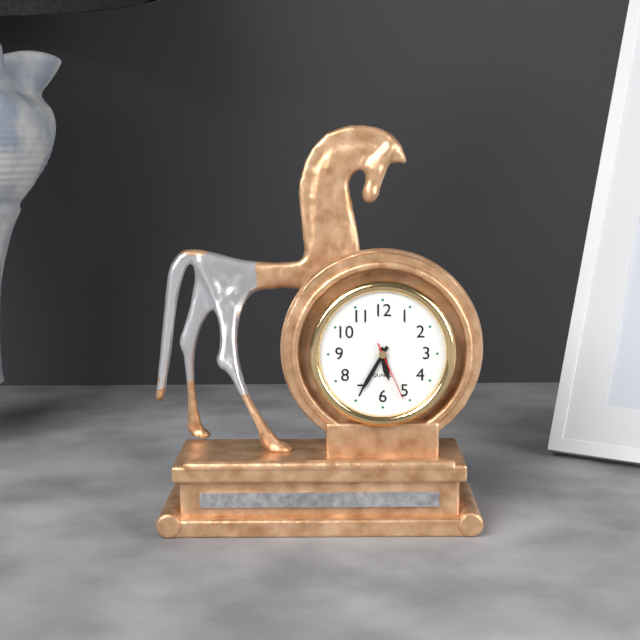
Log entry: 5h35m26s
